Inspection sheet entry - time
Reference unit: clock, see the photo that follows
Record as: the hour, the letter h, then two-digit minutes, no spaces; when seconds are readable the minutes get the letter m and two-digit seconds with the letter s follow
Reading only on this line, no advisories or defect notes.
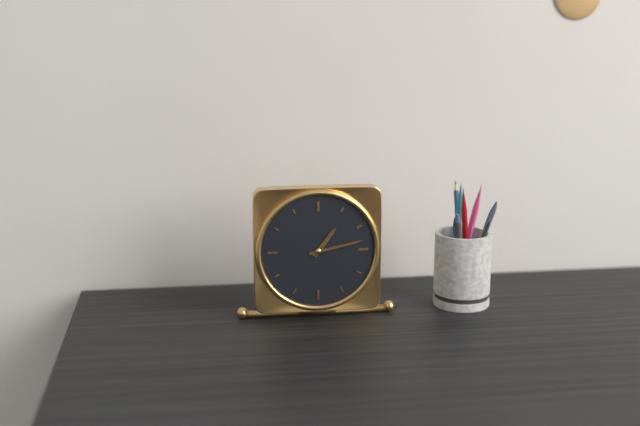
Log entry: 1h13
